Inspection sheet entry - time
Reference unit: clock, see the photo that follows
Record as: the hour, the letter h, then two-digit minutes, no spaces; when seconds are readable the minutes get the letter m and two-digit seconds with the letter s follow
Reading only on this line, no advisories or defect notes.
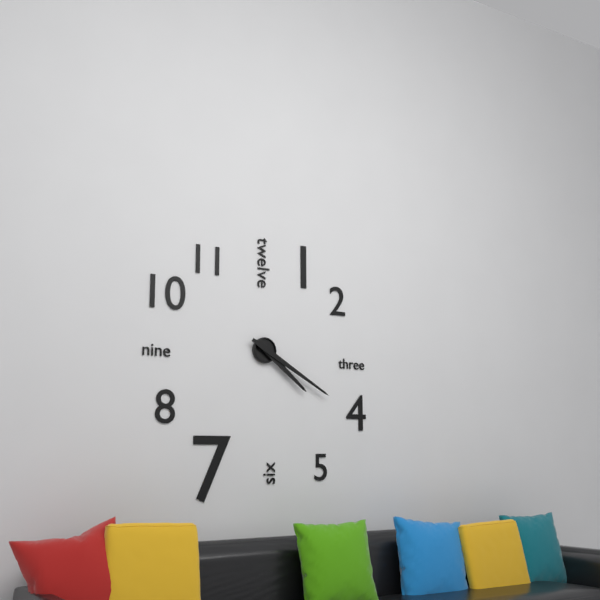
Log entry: 4h20
